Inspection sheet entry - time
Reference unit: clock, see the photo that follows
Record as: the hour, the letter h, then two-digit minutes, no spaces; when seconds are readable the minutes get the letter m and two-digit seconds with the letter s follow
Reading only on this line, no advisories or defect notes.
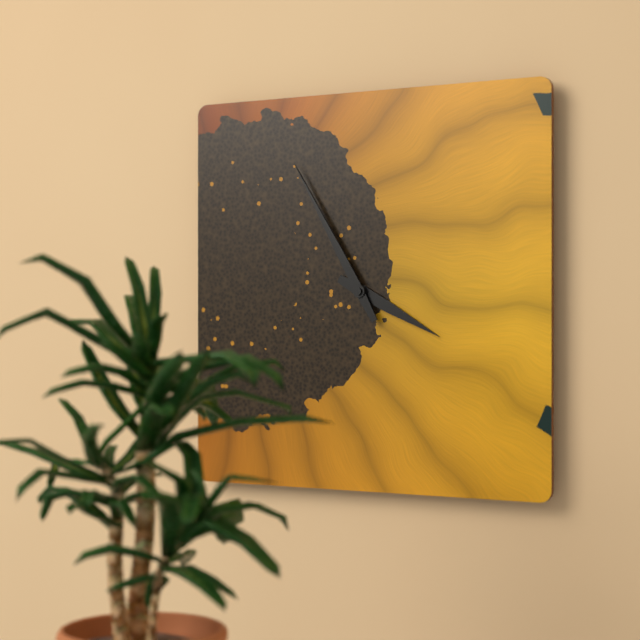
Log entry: 3h55
